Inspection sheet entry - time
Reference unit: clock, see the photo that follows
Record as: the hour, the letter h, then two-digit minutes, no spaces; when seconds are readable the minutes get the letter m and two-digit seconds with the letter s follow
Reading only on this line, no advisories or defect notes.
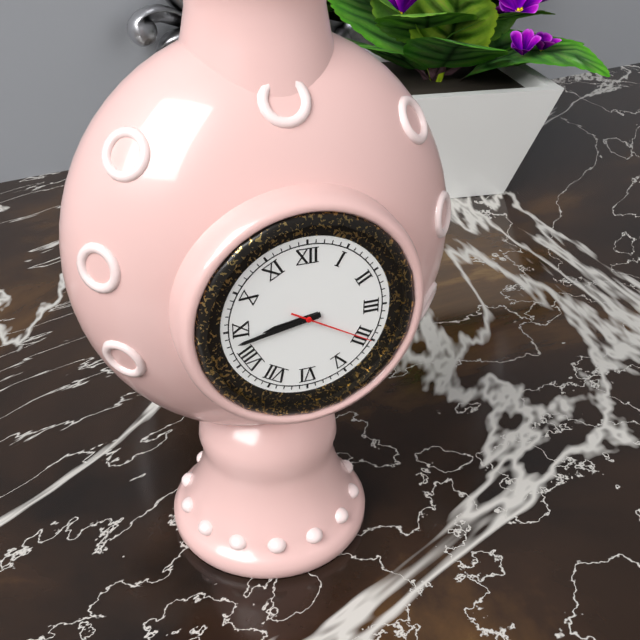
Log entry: 8h43m20s
